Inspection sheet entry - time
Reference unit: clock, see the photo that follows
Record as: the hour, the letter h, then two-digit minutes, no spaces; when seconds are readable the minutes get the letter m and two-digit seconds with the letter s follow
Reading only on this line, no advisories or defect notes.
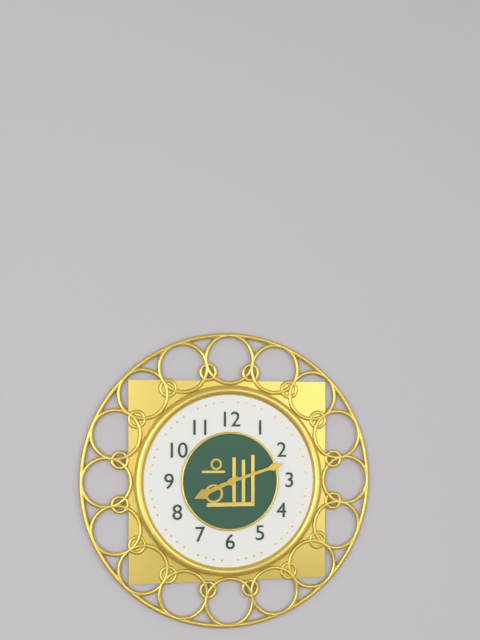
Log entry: 8h12
